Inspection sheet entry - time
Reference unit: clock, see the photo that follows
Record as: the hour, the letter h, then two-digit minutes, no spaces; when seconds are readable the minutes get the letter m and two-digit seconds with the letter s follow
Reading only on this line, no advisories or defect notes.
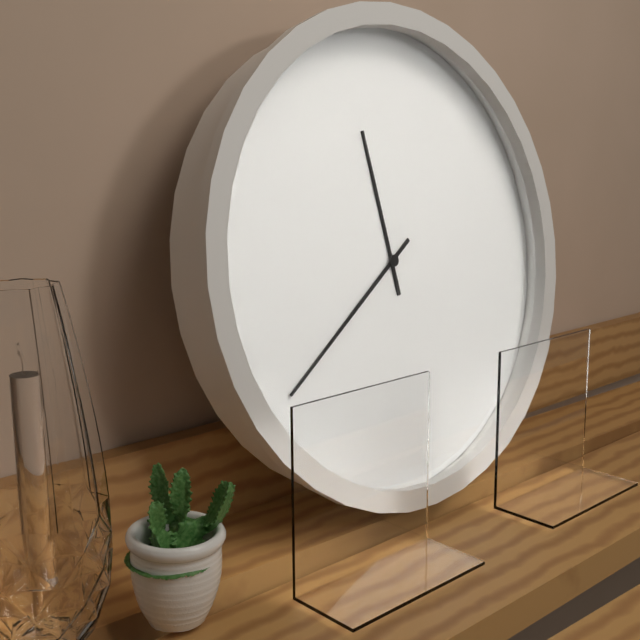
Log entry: 11h39
